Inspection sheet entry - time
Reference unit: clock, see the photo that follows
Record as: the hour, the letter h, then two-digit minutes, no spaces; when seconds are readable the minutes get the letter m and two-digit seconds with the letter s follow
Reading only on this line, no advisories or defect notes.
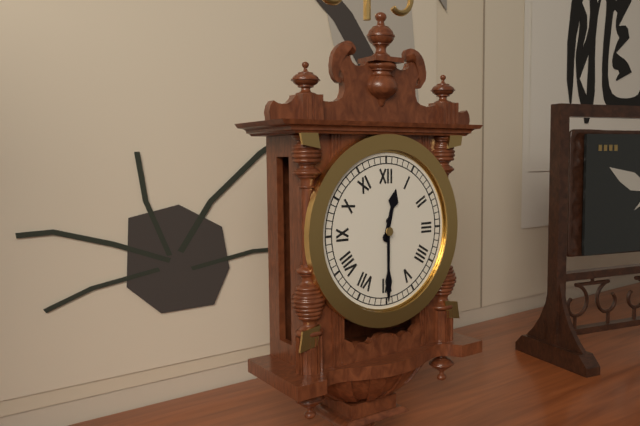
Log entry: 12h30
